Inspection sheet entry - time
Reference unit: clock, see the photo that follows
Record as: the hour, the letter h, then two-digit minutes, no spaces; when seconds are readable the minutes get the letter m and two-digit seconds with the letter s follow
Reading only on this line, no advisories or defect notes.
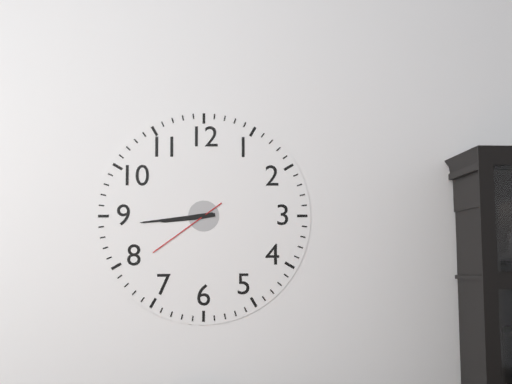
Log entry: 8h44m39s
